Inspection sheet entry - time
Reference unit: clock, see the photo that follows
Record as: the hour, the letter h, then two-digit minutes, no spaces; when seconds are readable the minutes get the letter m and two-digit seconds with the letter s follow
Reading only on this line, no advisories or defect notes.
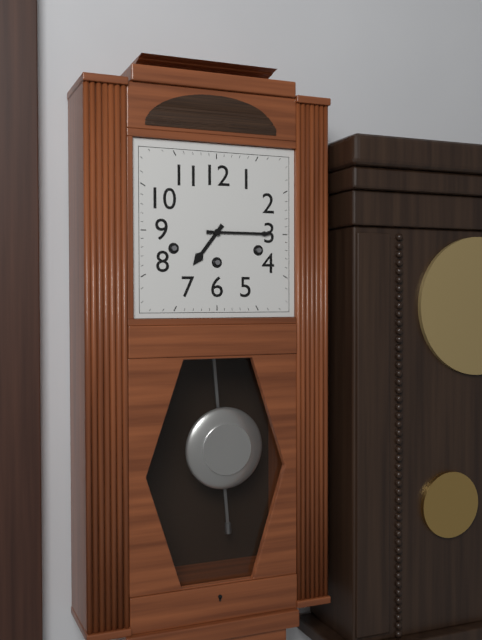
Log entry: 7h15
